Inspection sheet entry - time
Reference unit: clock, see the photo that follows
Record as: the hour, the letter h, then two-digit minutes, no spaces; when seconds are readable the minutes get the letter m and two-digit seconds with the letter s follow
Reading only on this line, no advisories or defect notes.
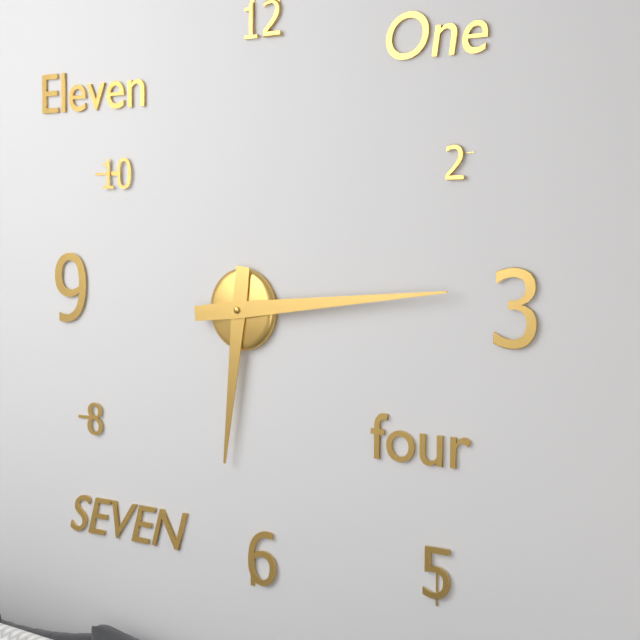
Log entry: 6h14
